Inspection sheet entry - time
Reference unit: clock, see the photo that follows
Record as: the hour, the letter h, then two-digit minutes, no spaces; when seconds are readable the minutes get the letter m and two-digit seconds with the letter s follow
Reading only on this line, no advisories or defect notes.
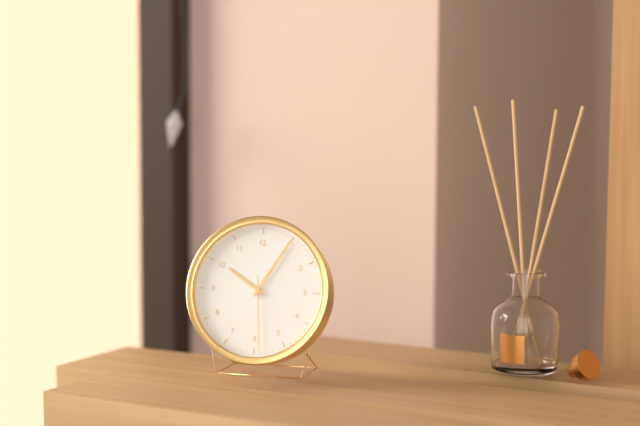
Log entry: 10h05m29s
